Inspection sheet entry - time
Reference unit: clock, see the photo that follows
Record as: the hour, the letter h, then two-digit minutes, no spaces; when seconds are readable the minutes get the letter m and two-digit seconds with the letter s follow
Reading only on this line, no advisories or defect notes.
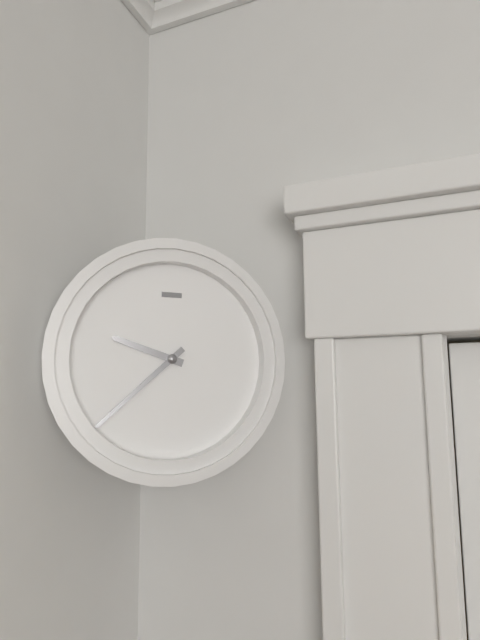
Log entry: 9h38
